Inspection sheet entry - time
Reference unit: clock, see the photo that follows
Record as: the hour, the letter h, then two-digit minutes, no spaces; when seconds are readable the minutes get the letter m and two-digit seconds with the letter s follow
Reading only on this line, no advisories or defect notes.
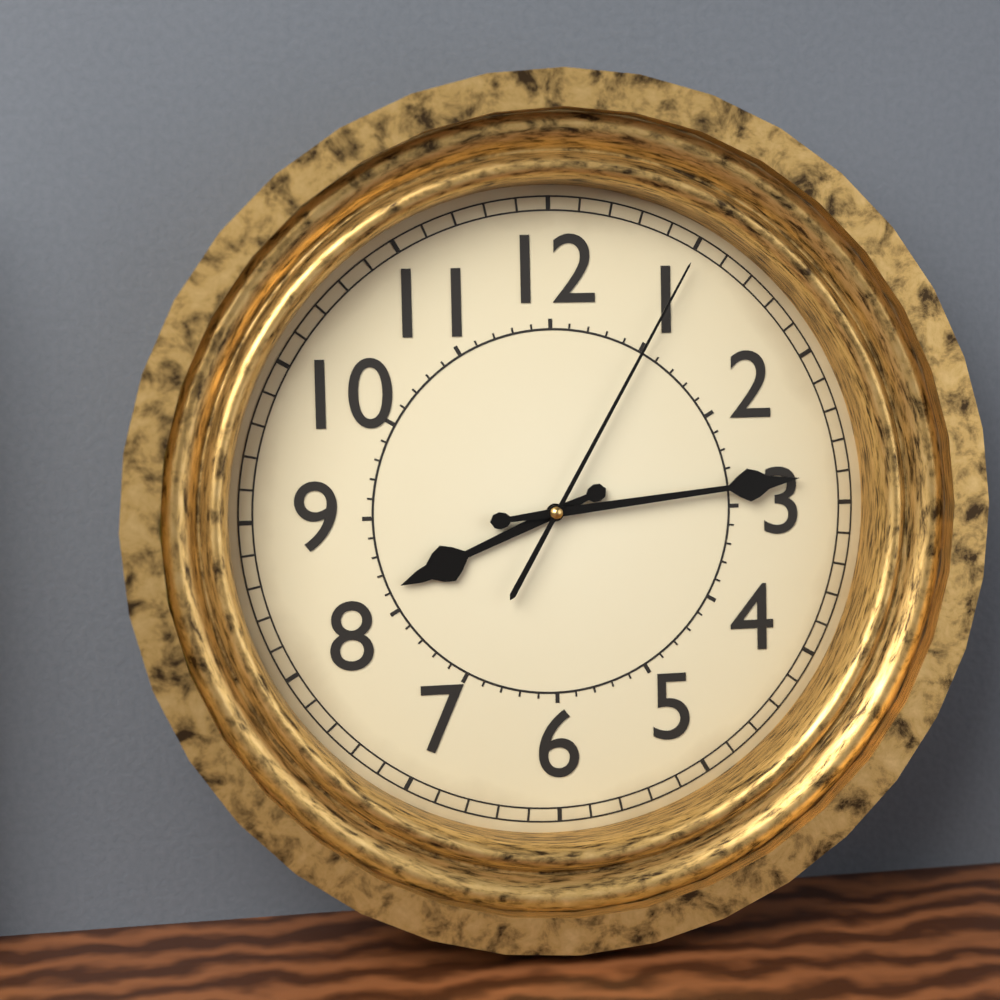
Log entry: 8h14m05s
